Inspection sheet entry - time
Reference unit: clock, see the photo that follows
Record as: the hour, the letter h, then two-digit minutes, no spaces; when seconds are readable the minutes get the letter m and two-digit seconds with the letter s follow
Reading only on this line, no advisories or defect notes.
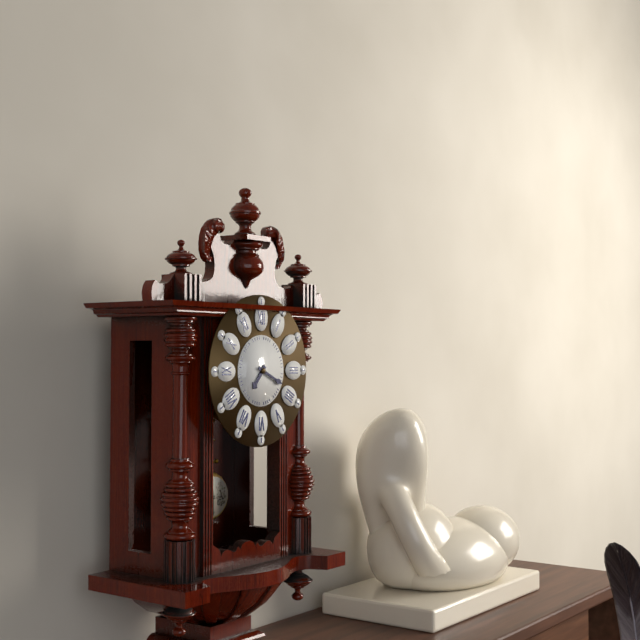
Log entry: 7h19
